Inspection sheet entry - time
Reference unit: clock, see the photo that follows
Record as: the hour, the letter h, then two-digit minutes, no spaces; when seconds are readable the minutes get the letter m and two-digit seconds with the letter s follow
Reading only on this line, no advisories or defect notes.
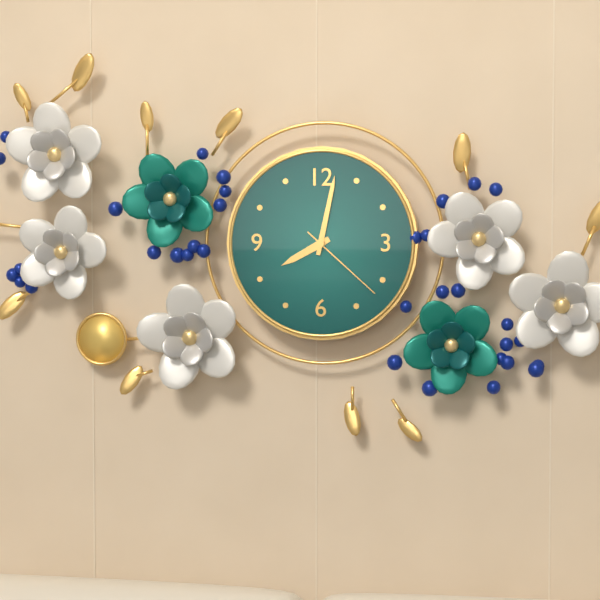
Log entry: 8h02m22s
